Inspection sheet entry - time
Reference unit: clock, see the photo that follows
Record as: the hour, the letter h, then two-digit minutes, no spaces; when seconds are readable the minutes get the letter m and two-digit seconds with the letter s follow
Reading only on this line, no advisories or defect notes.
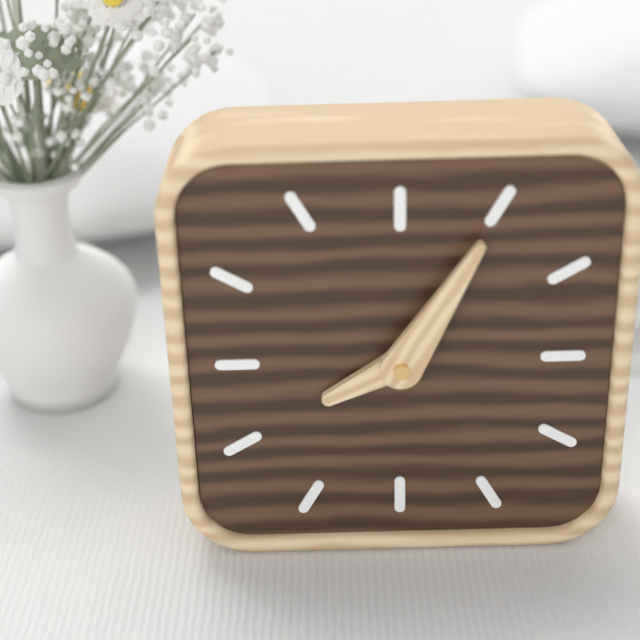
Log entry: 8h05
